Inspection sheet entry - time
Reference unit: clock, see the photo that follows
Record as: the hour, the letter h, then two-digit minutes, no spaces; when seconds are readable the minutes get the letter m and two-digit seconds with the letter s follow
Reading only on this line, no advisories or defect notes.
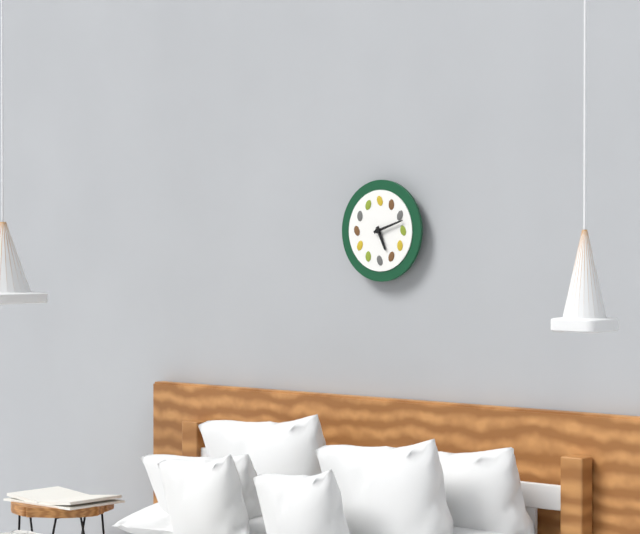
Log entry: 5h12
